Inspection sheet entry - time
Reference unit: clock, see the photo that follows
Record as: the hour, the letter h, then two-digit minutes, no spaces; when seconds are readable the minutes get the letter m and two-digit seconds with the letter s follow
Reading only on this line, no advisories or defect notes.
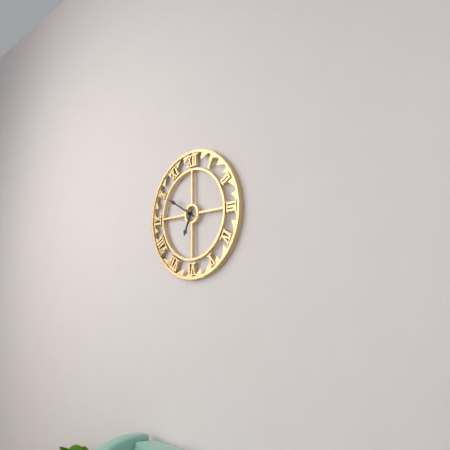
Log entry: 6h50
